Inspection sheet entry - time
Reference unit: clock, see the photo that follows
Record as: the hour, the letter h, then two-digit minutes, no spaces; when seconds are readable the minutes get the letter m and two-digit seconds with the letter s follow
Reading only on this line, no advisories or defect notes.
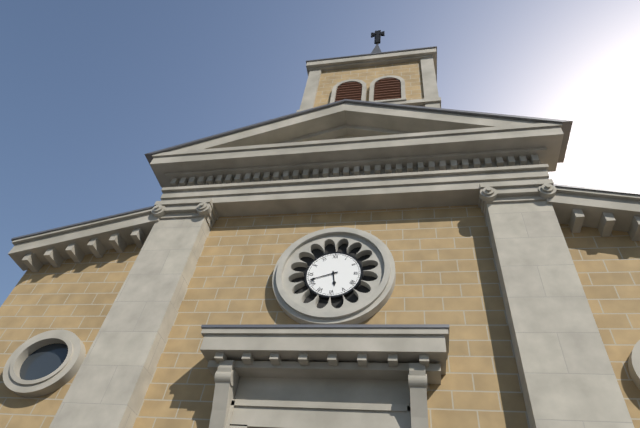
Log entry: 5h42
